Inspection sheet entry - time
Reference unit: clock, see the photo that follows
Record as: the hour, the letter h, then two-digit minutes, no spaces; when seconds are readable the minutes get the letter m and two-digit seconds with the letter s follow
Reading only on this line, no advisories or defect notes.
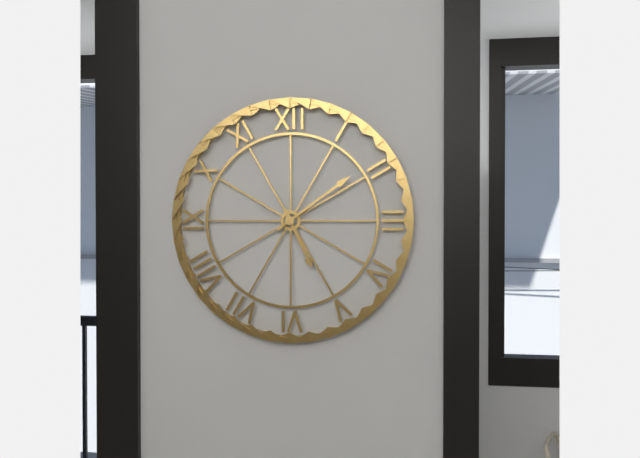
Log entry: 5h09
